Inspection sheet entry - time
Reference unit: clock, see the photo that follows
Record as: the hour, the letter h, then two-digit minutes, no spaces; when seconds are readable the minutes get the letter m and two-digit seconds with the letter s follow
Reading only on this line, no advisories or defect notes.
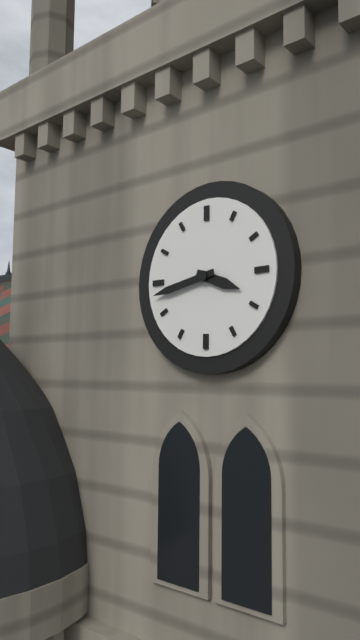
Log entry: 3h43
